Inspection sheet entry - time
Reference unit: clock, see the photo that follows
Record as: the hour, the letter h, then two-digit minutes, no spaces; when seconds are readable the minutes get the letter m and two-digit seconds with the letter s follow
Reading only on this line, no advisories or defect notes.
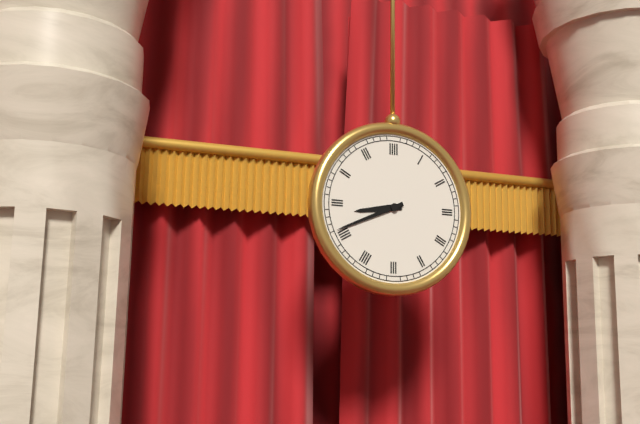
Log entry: 8h41
